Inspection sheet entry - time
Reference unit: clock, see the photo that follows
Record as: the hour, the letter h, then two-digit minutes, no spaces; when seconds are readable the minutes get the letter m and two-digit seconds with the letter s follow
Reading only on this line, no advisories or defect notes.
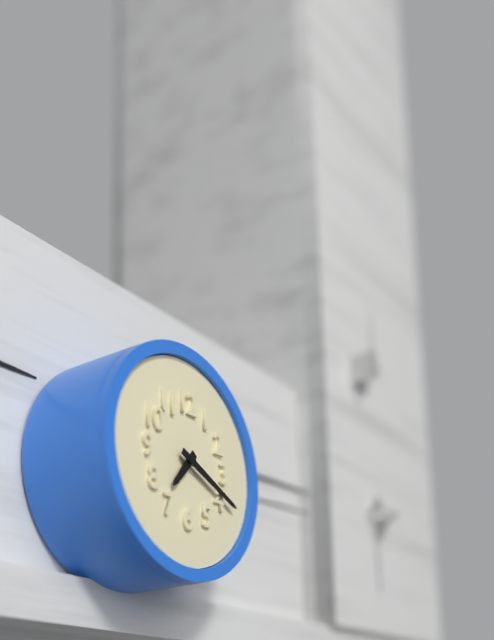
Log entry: 7h19
